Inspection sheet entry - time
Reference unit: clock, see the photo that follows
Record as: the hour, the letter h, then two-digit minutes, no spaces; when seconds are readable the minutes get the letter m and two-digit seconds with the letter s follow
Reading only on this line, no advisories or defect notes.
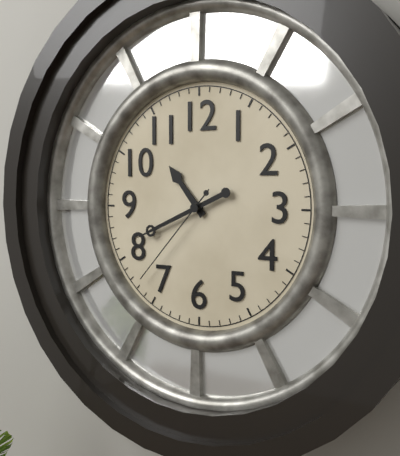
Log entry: 10h41m37s
